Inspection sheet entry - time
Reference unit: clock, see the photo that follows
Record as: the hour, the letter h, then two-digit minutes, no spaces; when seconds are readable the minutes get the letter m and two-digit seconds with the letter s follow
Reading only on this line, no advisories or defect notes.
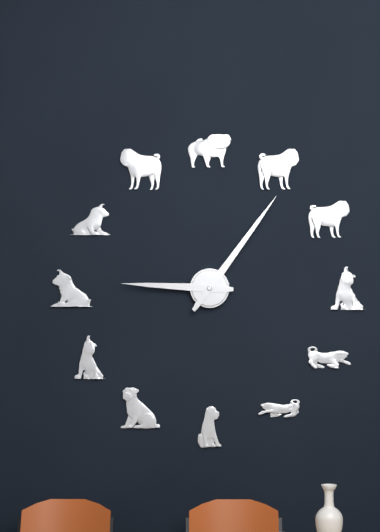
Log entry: 9h06
